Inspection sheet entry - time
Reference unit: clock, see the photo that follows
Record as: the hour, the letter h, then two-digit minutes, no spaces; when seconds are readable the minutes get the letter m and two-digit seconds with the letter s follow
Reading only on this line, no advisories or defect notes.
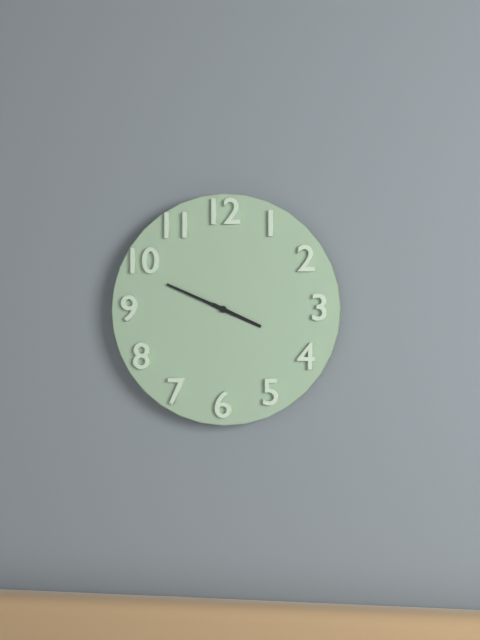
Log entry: 3h49
